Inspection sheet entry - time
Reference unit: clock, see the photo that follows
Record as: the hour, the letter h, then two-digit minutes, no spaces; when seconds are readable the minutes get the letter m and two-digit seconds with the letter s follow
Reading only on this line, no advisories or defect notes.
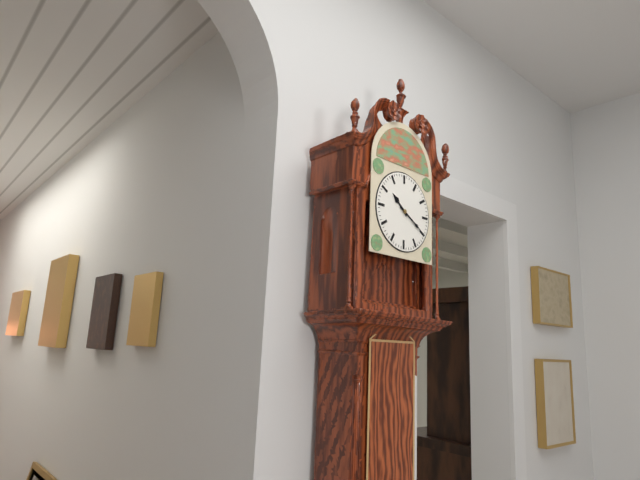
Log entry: 10h20
